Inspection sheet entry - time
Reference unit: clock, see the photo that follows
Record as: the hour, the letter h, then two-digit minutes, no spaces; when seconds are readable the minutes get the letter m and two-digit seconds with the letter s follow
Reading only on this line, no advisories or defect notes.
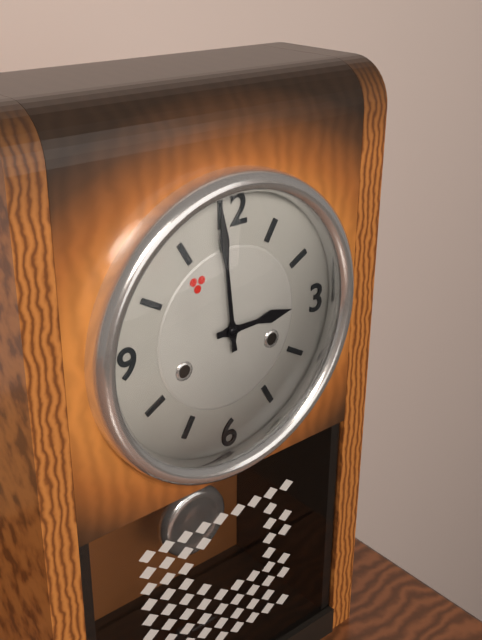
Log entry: 2h59
